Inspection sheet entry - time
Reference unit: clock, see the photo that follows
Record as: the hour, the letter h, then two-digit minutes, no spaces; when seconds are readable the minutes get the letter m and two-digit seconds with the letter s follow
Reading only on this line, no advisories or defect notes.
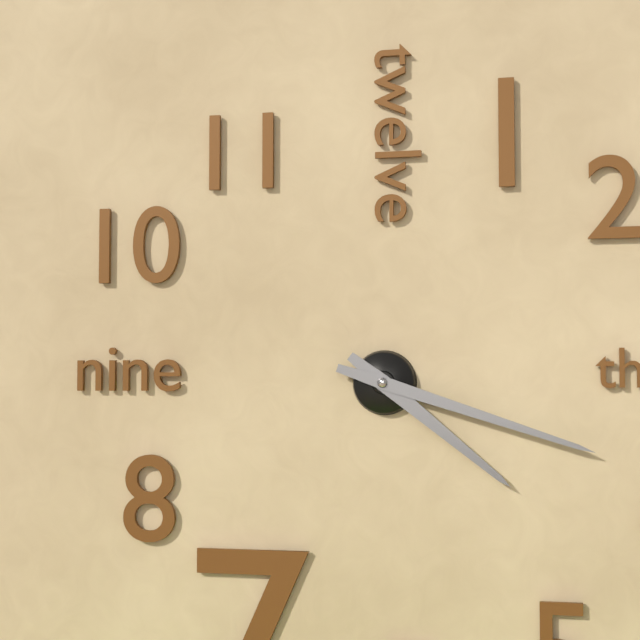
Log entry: 4h18
